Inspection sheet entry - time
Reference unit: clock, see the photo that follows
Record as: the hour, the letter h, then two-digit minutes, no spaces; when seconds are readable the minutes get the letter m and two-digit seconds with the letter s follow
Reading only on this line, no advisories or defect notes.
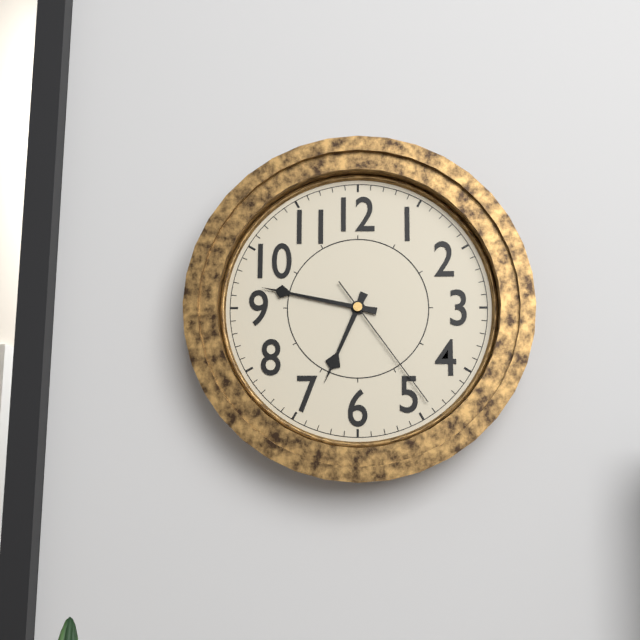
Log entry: 6h47m24s
